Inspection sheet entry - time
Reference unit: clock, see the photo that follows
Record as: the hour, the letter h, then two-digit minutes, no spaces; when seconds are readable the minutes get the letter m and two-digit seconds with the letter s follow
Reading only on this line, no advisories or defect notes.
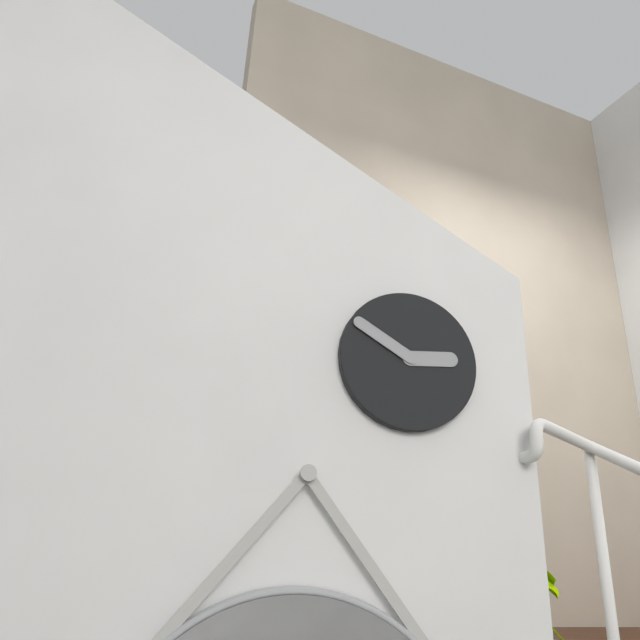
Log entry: 2h50
